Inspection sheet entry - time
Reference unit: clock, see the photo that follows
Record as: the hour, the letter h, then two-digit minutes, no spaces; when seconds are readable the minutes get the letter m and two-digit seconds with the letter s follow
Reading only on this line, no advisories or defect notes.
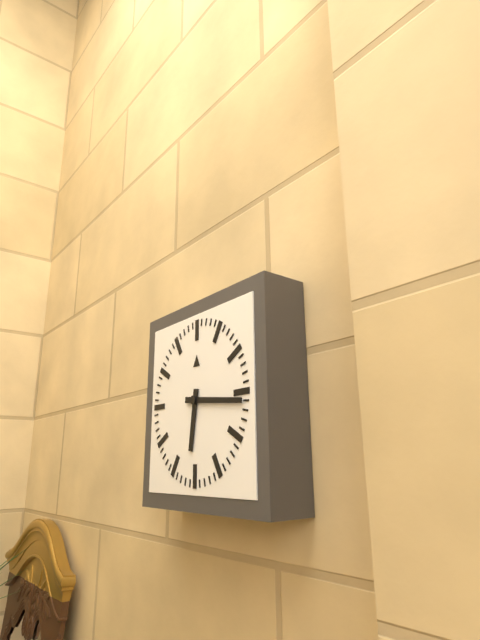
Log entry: 6h16
